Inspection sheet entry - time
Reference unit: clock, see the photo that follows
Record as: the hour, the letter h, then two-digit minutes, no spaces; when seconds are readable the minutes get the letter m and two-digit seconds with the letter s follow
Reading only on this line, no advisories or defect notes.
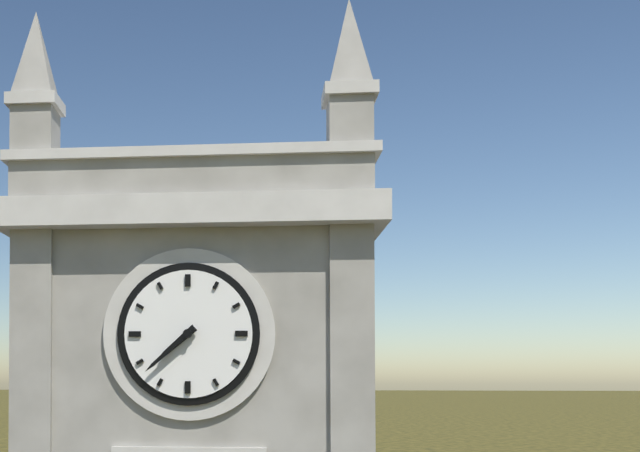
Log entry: 7h38
